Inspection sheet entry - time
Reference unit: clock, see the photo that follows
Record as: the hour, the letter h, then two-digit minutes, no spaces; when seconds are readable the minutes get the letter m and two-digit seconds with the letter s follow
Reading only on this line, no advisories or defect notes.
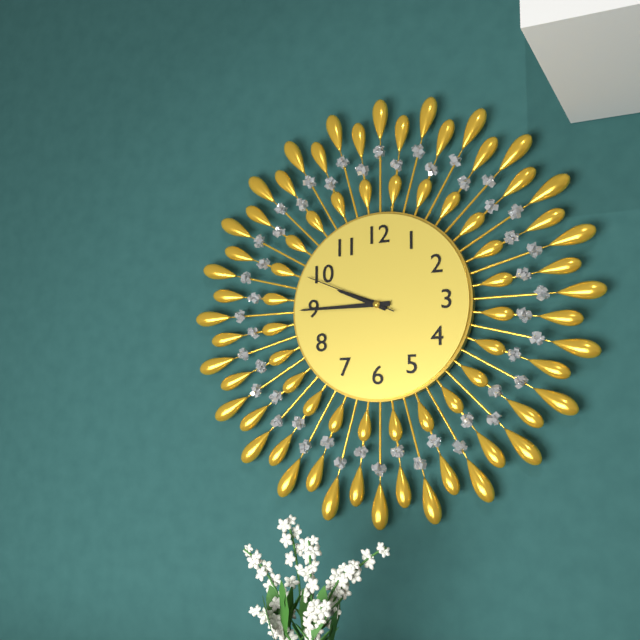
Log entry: 9h45m49s
